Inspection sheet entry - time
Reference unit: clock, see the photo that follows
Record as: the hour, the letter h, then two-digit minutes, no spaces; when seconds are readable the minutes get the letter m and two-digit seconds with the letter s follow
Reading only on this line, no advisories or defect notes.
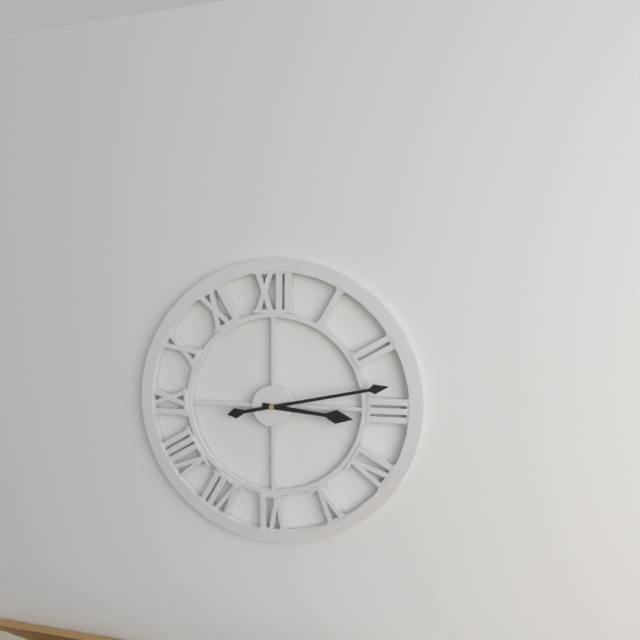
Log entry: 3h13
